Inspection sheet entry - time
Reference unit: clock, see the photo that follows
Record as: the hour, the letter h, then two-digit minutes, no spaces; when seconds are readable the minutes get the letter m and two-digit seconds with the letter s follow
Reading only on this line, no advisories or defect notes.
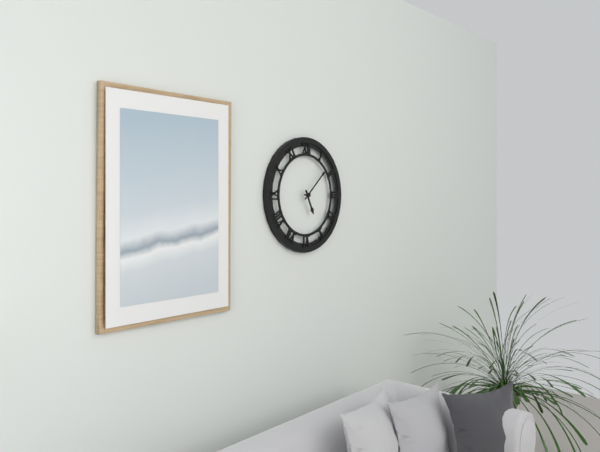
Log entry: 5h08
